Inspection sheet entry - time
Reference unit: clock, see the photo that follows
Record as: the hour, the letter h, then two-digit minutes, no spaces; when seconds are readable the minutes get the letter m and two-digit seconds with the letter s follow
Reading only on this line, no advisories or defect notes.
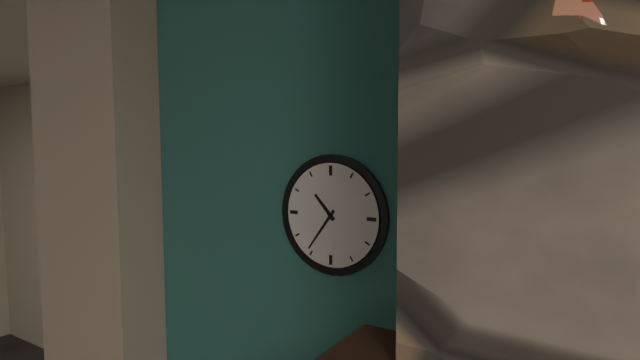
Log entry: 10h36
